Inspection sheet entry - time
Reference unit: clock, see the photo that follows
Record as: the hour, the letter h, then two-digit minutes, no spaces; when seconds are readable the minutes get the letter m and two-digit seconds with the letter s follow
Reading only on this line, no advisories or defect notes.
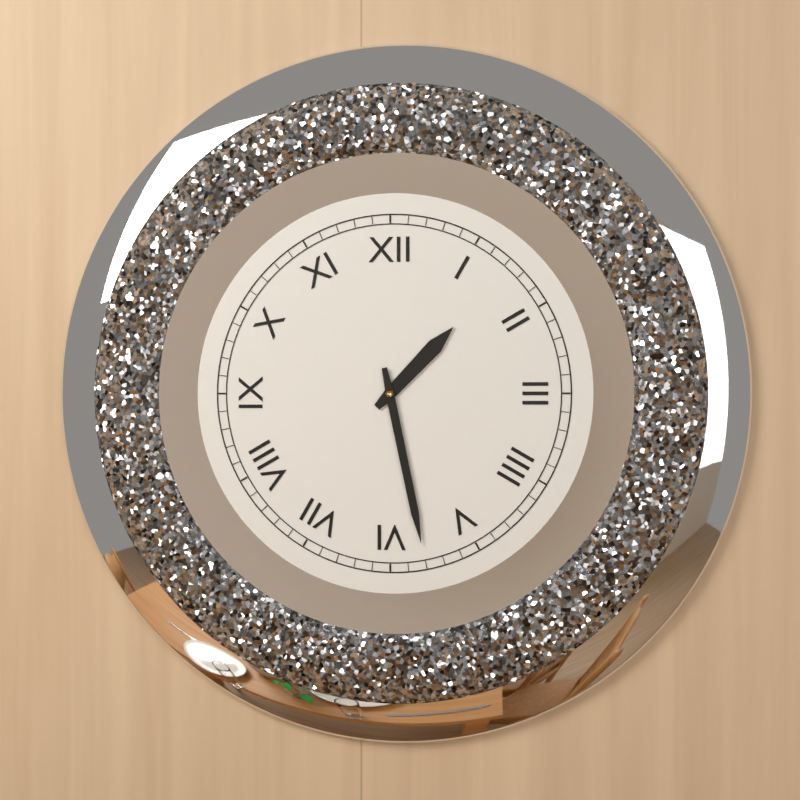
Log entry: 1h28
